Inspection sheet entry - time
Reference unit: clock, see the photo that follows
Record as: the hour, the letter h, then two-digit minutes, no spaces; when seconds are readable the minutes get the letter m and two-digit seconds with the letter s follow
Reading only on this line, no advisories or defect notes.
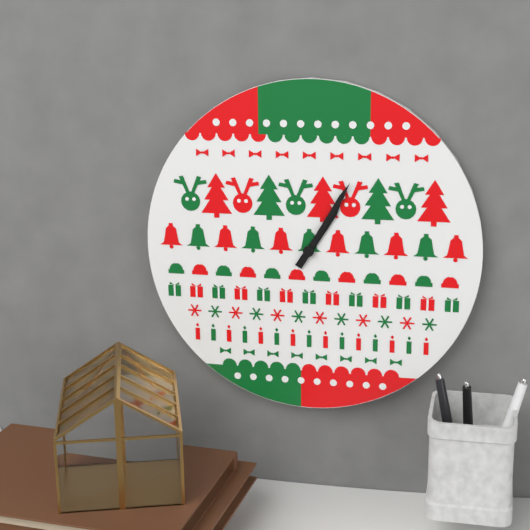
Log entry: 1h05
